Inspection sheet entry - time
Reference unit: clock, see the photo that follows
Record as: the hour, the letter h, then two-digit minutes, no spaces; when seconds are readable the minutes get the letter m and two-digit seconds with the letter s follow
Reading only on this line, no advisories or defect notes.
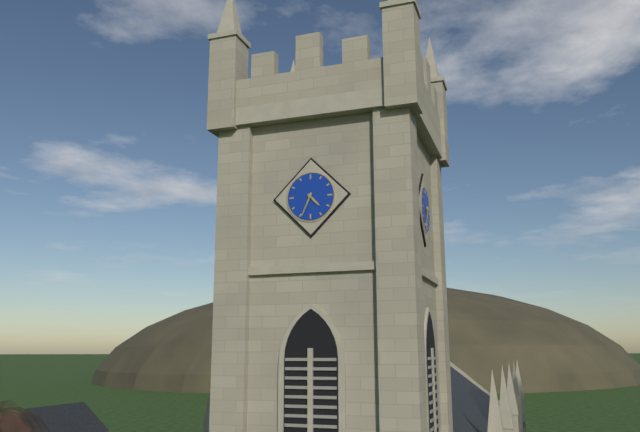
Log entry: 4h34
